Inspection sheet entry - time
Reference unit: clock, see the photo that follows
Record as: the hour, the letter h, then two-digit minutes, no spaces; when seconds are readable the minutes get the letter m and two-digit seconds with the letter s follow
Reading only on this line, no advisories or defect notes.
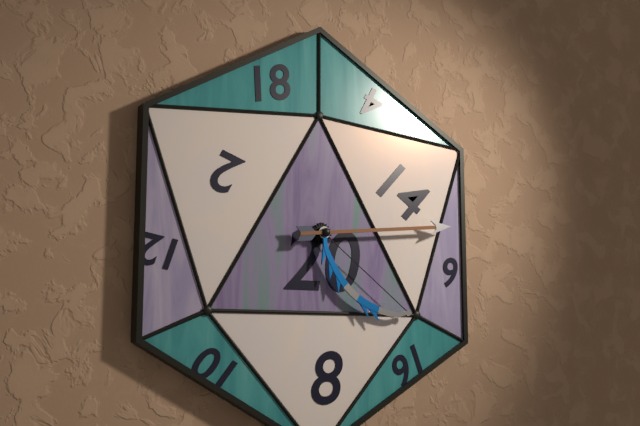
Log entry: 4h14
